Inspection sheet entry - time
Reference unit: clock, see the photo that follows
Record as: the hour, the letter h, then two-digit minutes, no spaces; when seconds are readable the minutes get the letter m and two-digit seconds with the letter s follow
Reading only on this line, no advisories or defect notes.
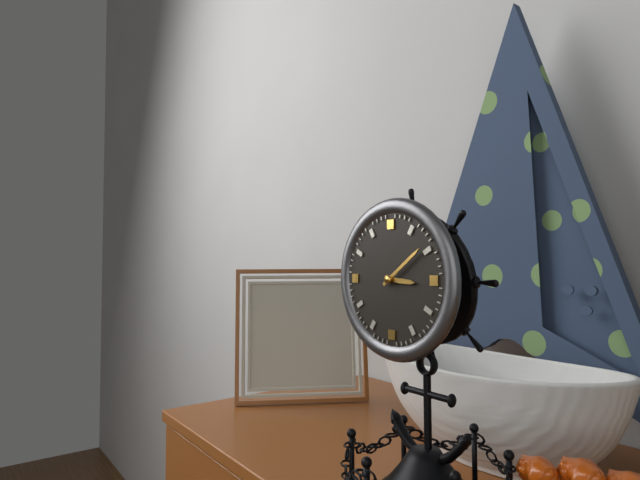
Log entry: 3h09
